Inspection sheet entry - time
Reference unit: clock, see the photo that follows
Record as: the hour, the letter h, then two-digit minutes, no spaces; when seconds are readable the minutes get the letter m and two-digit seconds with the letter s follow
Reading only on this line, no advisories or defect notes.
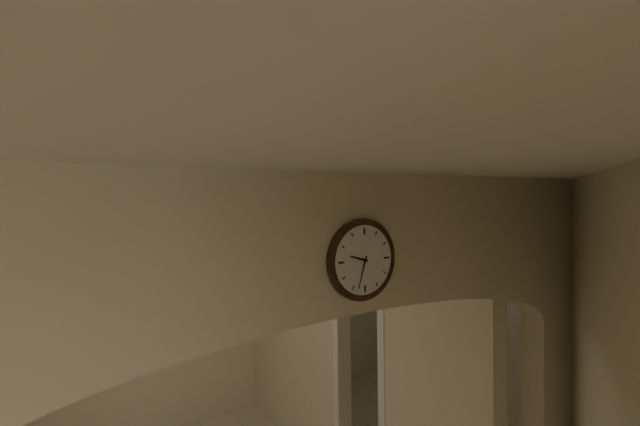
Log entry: 9h33
